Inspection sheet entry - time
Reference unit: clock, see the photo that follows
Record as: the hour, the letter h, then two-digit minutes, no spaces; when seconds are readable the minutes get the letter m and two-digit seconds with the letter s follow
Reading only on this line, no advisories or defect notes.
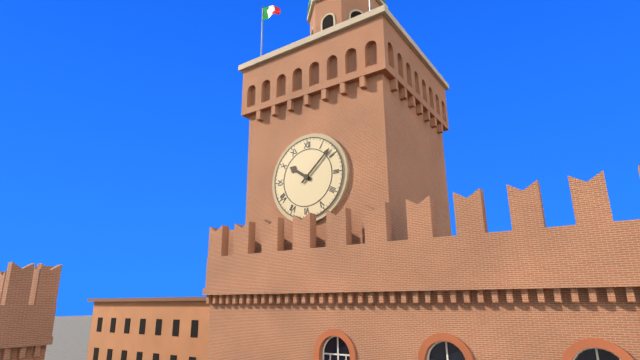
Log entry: 10h08
